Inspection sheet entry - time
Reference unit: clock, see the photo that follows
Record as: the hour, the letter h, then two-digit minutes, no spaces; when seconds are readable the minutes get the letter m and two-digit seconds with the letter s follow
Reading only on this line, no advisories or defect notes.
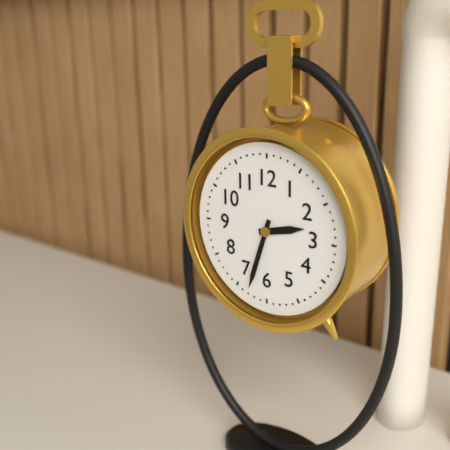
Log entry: 2h33
